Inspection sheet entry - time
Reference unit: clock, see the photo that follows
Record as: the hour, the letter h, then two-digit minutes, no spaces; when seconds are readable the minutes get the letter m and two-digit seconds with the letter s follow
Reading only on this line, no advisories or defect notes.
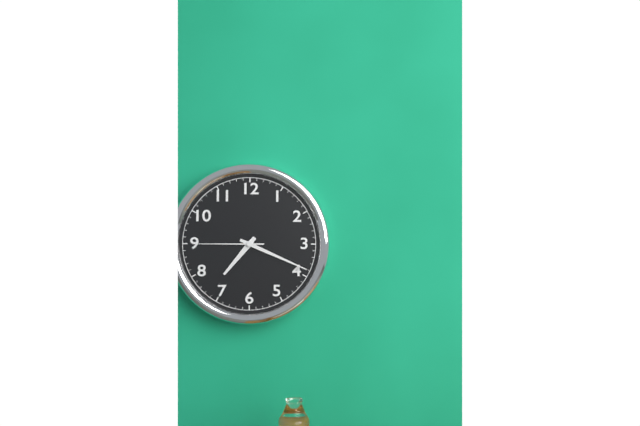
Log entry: 7h19m45s
